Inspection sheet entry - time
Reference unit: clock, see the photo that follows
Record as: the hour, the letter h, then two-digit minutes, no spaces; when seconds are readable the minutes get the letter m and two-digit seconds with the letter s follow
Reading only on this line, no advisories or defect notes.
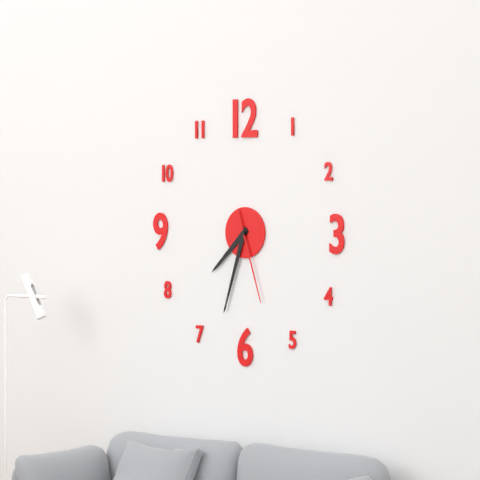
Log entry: 7h33m27s
